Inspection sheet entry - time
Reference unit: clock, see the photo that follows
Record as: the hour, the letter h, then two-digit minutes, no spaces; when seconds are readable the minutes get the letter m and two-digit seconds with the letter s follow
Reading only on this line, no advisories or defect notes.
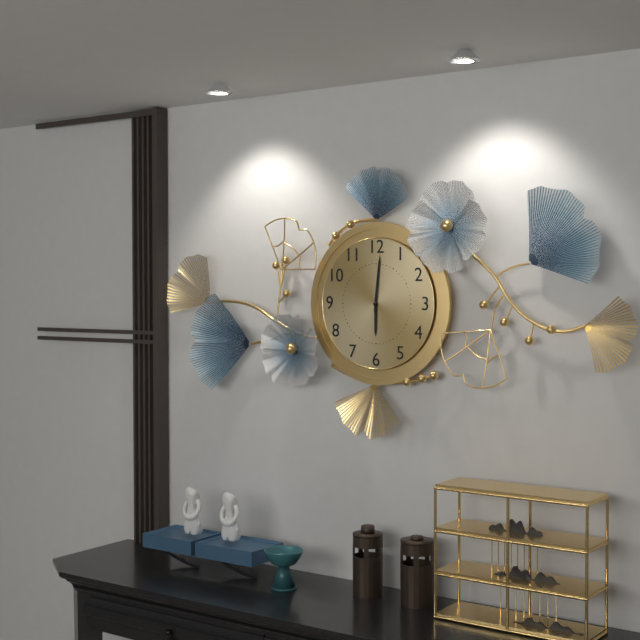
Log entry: 6h01
